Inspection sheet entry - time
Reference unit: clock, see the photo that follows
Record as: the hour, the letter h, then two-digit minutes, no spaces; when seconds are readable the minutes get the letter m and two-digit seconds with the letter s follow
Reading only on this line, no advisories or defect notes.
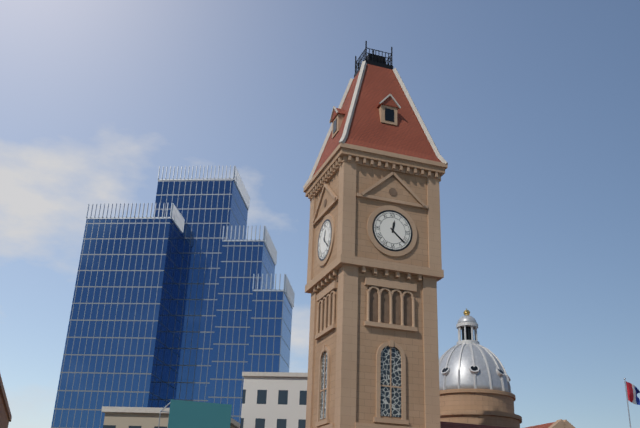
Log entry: 12h22
